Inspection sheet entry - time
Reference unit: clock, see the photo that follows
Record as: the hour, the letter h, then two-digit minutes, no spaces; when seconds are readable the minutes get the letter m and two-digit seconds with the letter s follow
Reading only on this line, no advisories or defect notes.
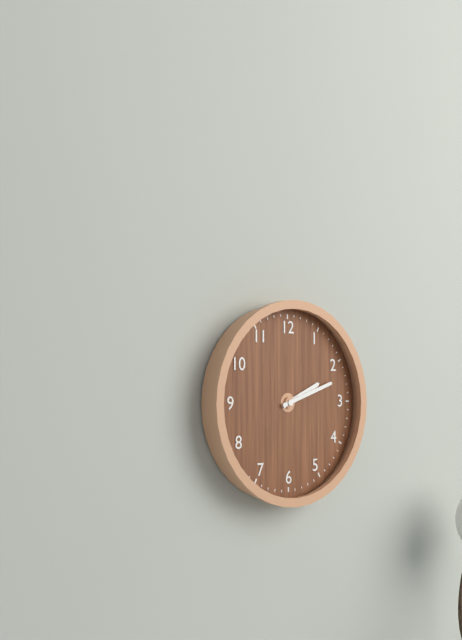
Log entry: 2h12
